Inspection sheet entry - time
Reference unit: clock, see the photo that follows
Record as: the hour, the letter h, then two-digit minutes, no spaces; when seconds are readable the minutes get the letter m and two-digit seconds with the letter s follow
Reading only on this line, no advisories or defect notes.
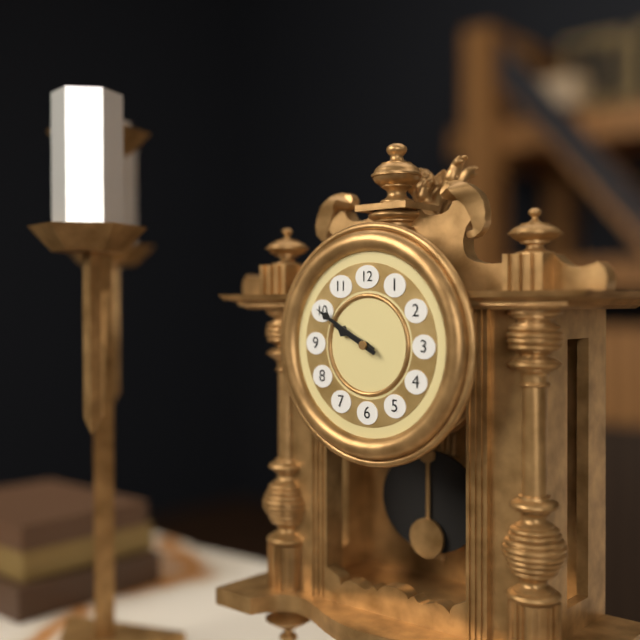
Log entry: 9h50
